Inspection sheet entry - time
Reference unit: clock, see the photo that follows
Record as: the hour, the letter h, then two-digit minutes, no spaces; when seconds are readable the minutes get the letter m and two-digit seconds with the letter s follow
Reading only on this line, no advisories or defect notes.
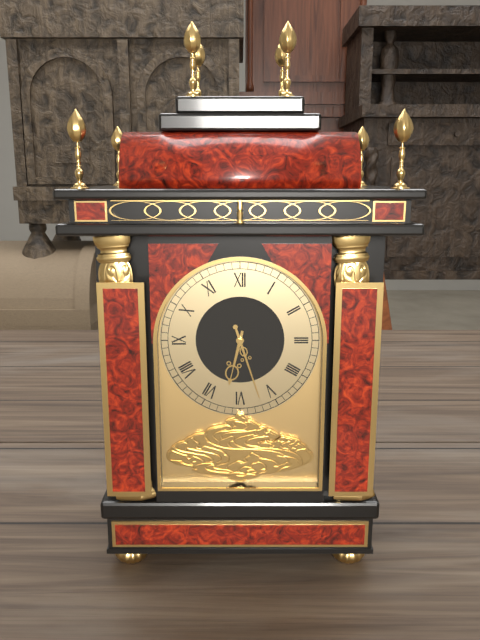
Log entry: 6h27
